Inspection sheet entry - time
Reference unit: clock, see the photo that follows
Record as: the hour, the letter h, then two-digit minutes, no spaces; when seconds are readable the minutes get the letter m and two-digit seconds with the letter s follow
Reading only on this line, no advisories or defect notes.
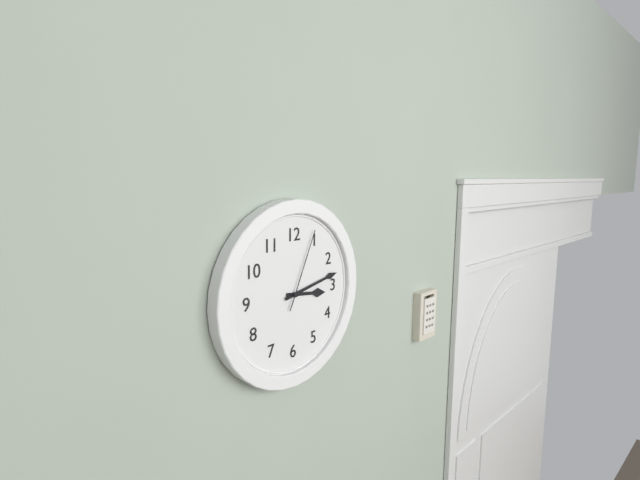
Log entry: 3h13m04s
